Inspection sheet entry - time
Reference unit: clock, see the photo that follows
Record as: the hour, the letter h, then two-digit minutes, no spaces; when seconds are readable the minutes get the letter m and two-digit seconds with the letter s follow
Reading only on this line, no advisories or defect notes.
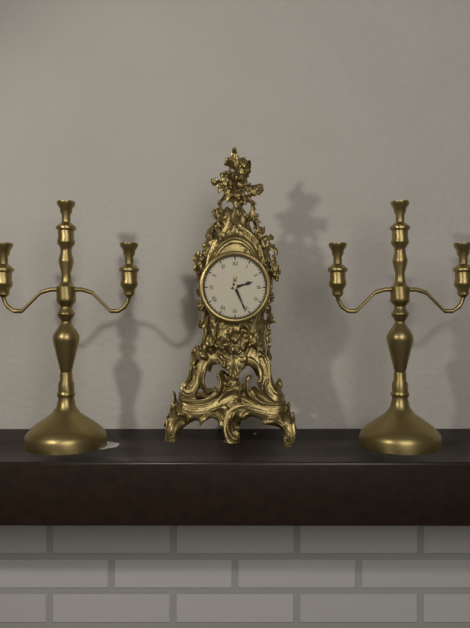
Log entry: 2h26
